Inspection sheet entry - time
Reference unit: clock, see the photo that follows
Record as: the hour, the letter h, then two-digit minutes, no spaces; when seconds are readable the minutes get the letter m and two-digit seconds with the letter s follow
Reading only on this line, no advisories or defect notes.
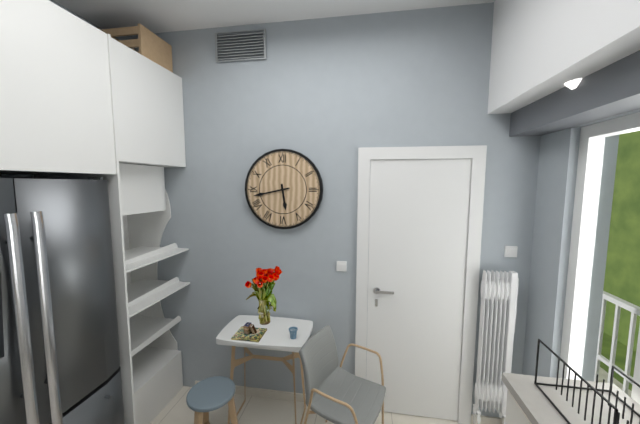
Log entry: 5h43
